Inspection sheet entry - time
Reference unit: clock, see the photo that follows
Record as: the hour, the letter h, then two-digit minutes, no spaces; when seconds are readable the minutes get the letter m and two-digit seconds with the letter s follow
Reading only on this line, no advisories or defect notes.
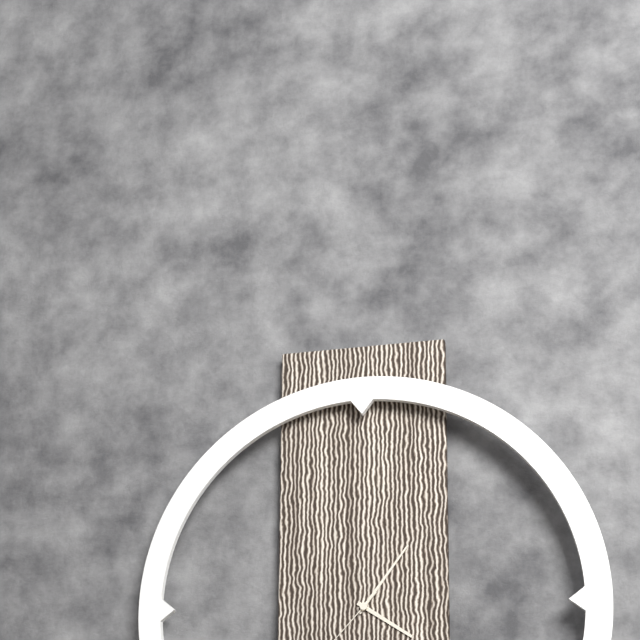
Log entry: 4h06
